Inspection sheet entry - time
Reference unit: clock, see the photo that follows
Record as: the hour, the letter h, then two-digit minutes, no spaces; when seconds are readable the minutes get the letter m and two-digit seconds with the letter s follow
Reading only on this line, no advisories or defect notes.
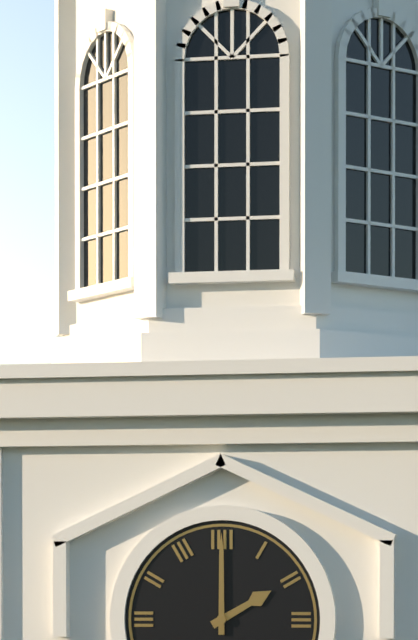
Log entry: 2h00
